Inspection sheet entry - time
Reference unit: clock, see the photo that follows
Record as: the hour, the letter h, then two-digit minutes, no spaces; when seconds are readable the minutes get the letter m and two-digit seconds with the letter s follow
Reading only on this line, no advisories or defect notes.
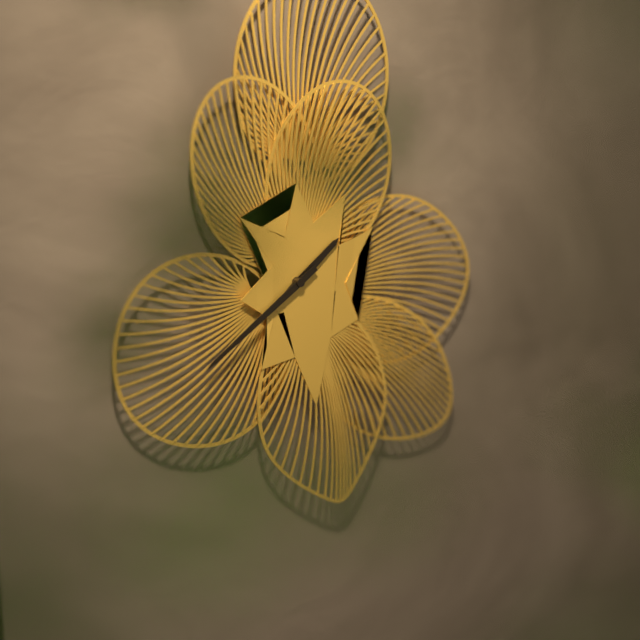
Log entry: 1h39
